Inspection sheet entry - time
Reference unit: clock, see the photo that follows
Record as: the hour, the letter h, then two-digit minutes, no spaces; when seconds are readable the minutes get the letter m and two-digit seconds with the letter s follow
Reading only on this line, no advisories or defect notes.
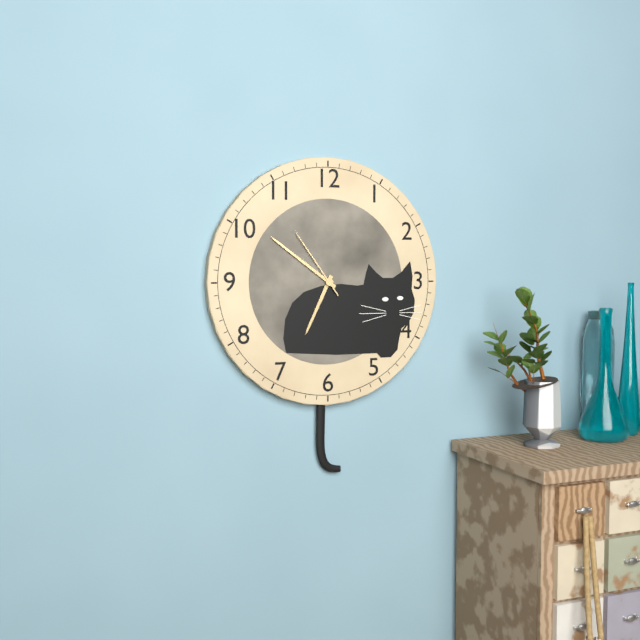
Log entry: 6h51m54s
